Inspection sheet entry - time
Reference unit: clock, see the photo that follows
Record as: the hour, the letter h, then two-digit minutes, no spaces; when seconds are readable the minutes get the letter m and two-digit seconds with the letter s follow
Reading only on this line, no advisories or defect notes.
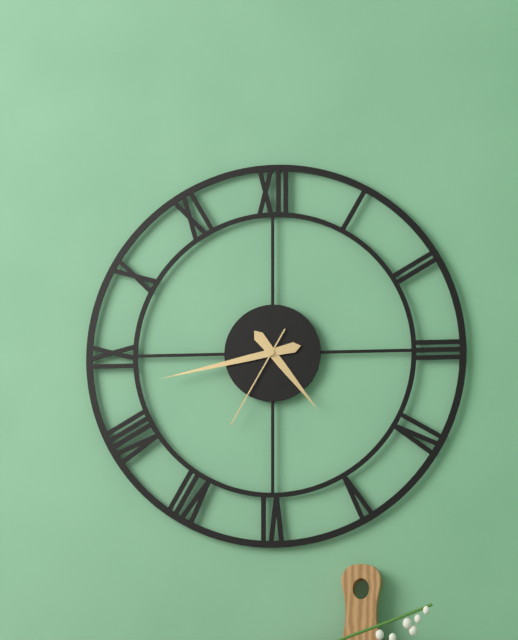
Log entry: 4h43m35s
